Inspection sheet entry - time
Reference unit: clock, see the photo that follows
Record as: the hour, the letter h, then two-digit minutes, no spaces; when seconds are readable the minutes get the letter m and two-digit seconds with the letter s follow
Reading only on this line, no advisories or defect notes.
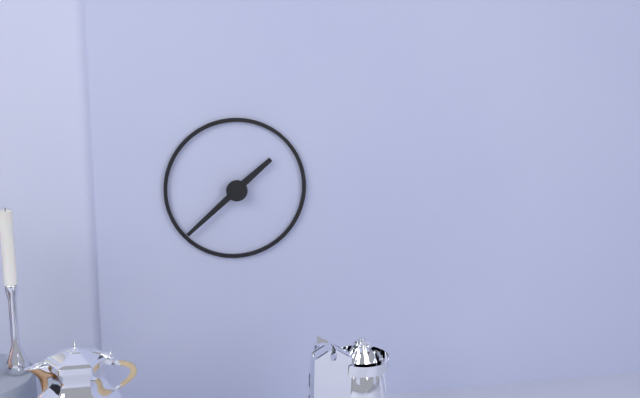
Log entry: 1h38
